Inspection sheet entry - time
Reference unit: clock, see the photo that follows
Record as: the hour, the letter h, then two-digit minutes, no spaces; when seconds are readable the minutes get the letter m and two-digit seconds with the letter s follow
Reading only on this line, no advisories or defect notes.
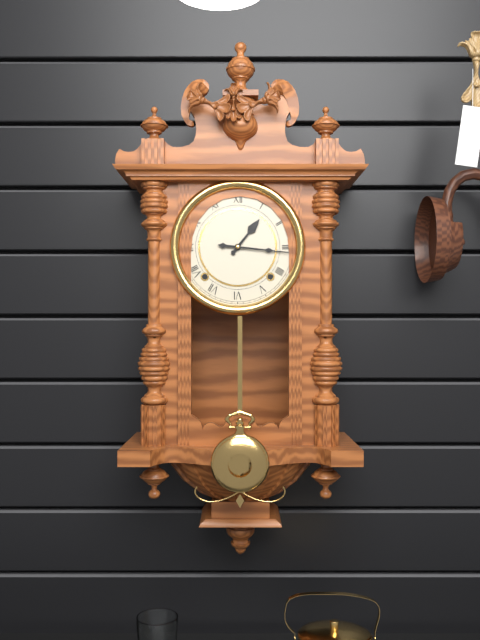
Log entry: 1h16
